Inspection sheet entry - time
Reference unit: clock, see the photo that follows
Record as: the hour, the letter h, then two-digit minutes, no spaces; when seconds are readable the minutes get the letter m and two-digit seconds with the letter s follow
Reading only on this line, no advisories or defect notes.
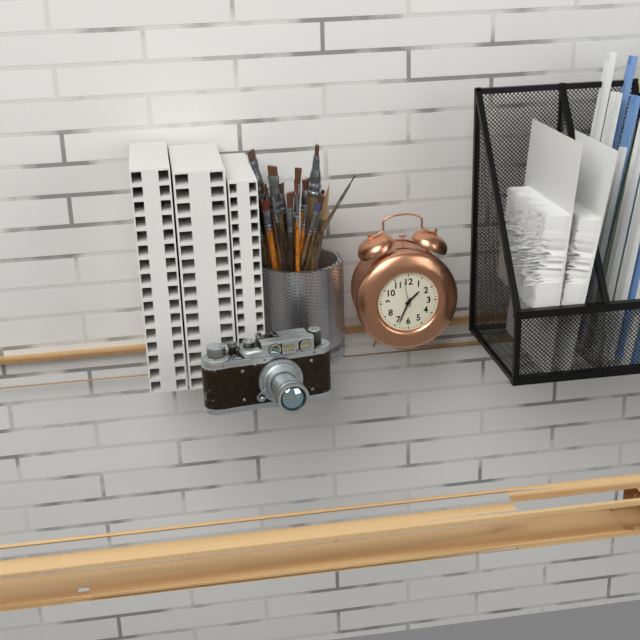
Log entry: 1h34
